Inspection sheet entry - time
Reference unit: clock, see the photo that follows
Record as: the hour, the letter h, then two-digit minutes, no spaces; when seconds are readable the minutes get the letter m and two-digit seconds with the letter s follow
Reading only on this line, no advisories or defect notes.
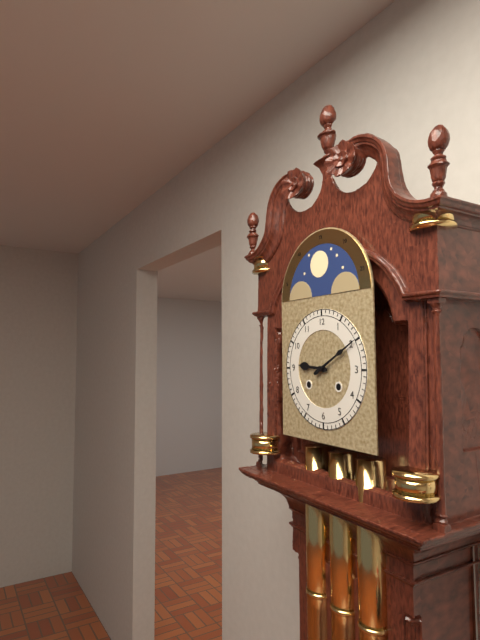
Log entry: 9h10
